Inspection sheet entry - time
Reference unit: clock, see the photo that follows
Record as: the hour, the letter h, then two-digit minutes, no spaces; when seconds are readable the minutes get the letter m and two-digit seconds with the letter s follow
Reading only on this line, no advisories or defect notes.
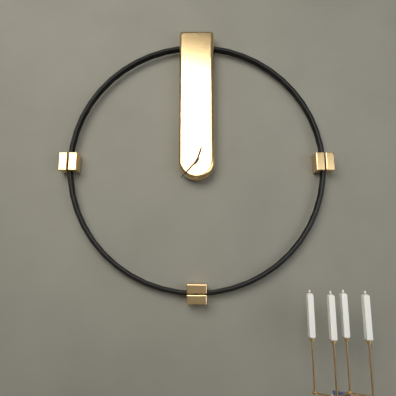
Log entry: 12h37
